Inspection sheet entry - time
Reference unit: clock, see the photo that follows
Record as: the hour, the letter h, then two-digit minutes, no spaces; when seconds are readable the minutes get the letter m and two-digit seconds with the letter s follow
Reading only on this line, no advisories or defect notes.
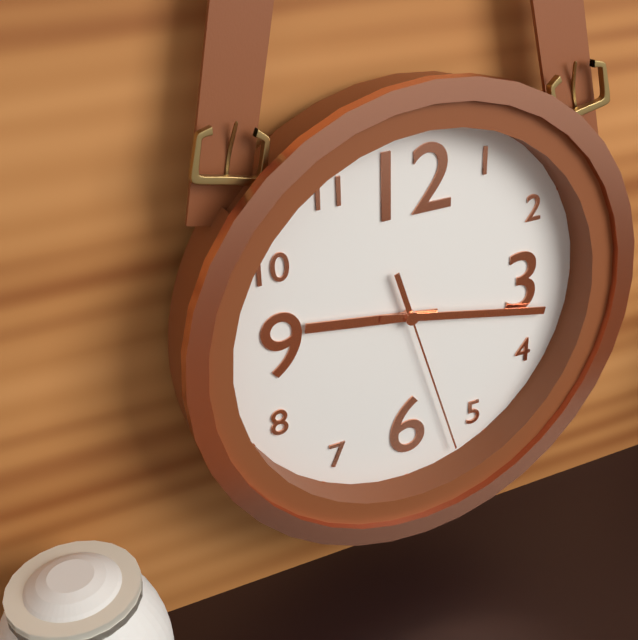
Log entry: 9h17m27s
